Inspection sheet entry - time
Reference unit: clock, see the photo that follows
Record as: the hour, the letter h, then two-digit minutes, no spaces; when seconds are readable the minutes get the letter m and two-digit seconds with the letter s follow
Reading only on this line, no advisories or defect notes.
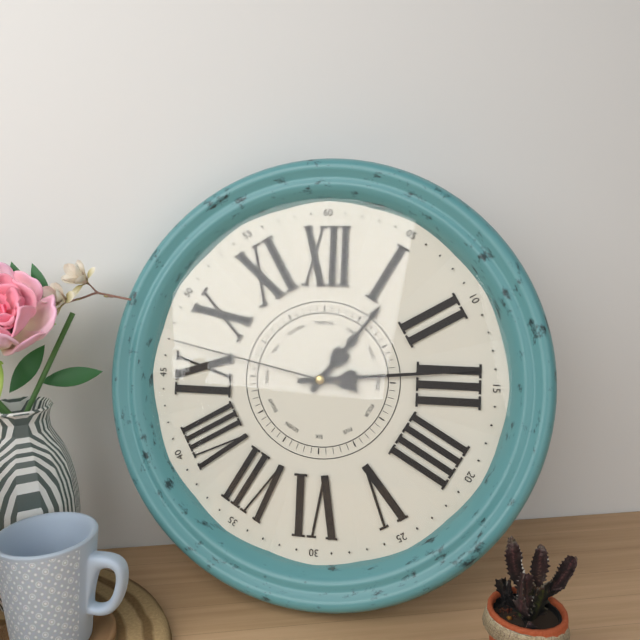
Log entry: 1h14m47s
